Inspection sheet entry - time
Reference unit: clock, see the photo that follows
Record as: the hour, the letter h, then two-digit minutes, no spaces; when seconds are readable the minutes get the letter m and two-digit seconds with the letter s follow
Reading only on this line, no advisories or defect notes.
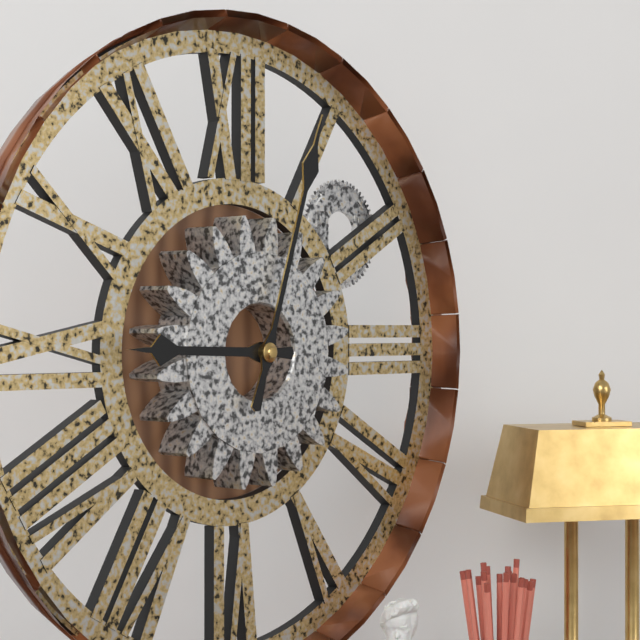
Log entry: 9h03
